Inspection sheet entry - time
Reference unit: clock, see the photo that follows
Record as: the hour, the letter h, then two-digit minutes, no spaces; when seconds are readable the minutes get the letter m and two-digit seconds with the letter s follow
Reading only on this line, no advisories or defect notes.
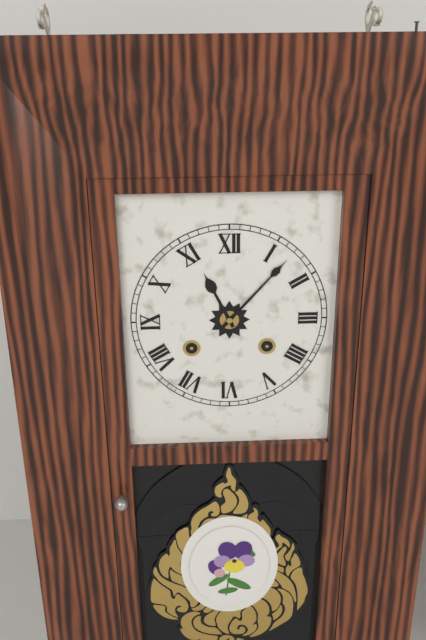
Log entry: 11h07
